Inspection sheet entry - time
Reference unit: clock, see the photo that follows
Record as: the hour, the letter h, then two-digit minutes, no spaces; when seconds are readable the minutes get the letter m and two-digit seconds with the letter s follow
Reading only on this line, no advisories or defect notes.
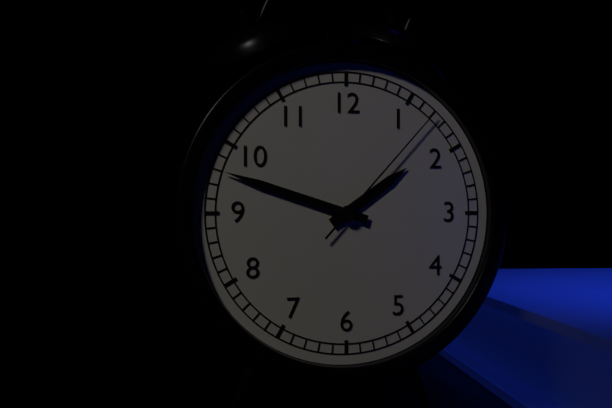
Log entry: 1h48m07s
